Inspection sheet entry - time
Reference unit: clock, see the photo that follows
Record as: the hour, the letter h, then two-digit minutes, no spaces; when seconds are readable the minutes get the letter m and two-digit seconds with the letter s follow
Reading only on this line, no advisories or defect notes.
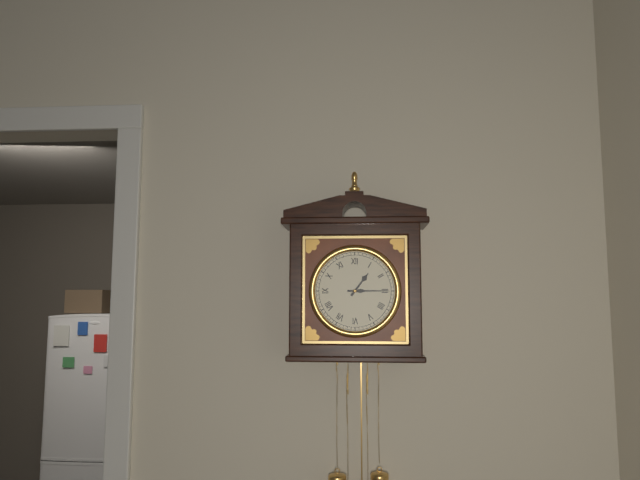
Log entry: 1h15
